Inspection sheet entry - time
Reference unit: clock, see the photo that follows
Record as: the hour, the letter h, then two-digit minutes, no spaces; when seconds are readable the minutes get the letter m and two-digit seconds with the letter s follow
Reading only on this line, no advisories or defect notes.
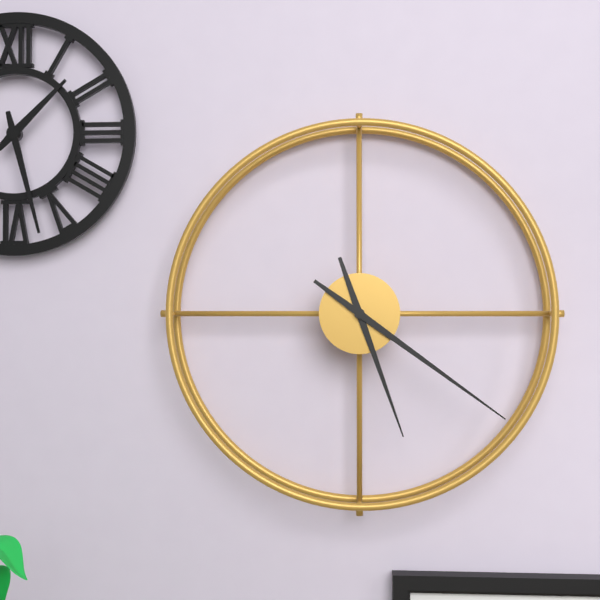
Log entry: 5h21
